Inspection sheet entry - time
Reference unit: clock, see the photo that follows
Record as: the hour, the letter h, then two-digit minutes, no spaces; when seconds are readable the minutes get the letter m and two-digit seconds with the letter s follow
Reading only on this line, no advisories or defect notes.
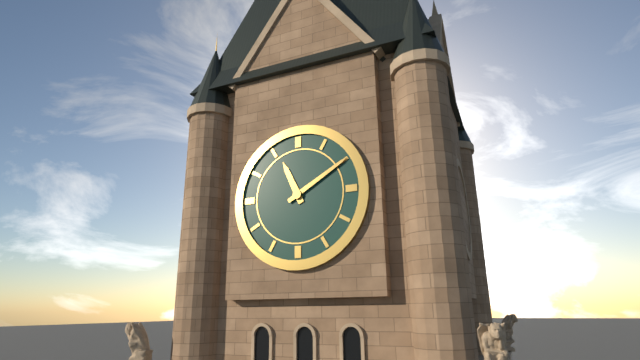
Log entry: 11h10
